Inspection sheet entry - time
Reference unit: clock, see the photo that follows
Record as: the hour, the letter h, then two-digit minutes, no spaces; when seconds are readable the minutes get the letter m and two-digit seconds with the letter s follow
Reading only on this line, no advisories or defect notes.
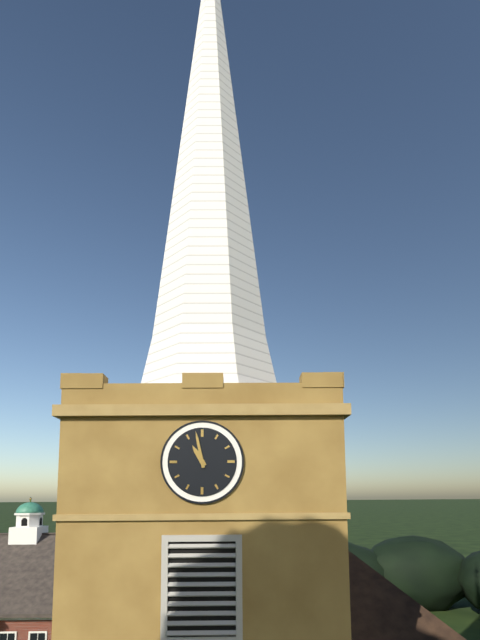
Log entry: 10h58
